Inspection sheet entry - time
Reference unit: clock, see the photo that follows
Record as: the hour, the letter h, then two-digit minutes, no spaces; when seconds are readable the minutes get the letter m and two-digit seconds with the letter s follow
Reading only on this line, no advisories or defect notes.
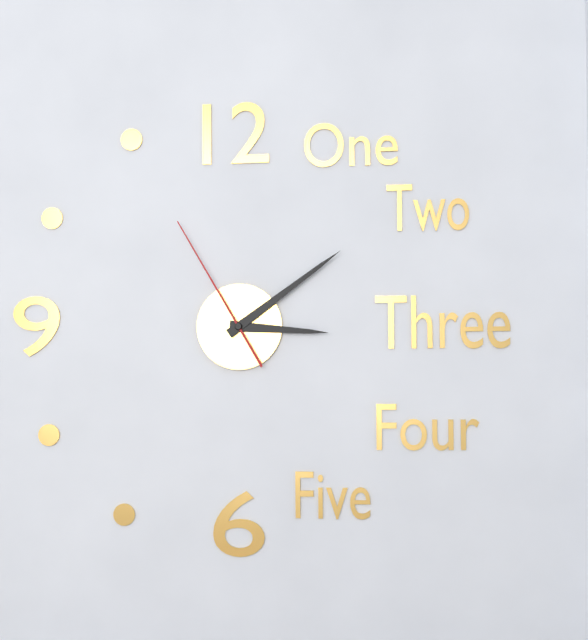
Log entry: 3h09m55s
